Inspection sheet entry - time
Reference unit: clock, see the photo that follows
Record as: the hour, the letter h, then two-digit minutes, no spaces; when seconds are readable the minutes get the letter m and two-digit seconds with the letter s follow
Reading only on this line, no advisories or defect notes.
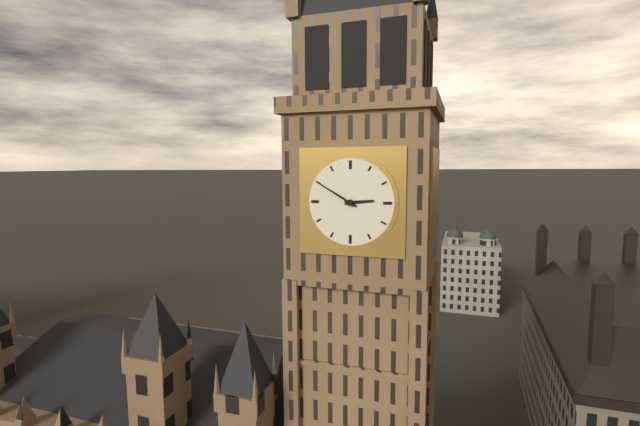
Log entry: 2h50
